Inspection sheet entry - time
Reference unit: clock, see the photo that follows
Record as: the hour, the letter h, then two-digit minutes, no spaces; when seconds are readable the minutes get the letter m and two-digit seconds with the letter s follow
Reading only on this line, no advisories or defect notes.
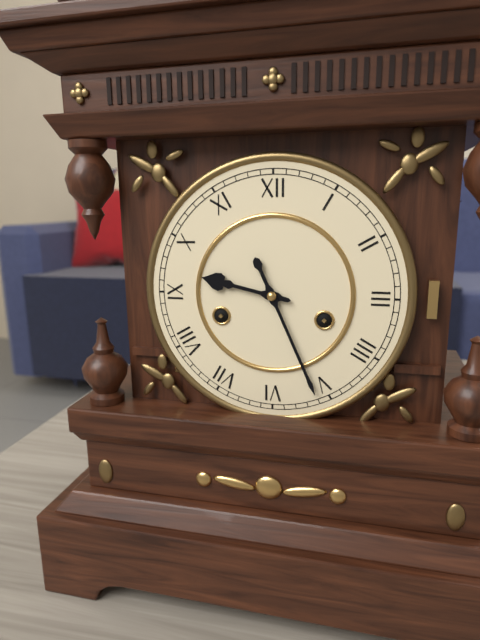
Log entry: 9h26
